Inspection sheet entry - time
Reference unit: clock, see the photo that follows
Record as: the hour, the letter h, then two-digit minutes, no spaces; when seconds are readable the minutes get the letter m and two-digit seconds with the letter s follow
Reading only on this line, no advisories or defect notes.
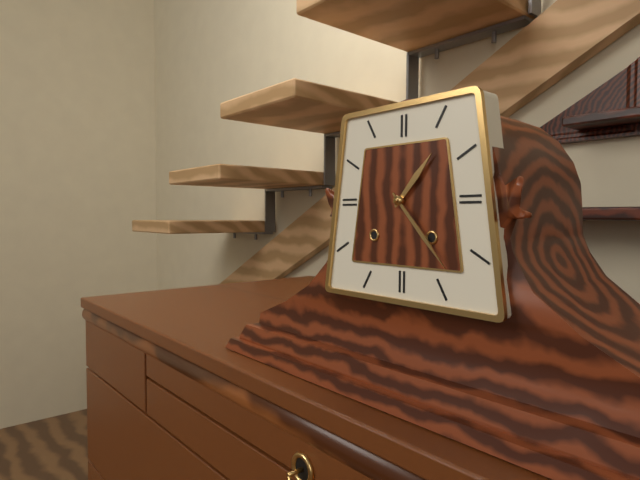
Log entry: 1h23
